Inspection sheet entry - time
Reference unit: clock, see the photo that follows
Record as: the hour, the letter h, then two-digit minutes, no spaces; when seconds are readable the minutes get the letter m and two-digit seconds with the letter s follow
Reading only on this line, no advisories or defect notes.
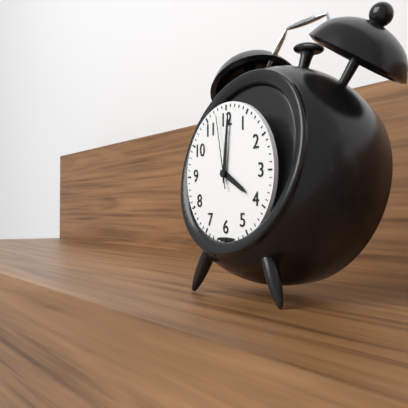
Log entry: 4h01m58s
